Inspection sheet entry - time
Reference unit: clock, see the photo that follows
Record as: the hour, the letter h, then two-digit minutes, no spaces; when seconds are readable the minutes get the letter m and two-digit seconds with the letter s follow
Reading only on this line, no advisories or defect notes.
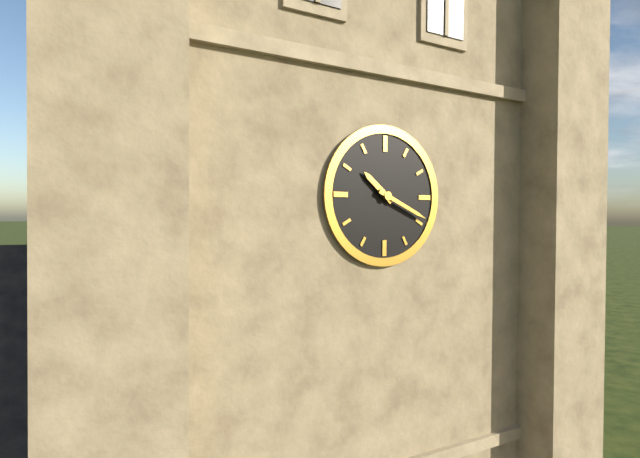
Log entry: 10h19
